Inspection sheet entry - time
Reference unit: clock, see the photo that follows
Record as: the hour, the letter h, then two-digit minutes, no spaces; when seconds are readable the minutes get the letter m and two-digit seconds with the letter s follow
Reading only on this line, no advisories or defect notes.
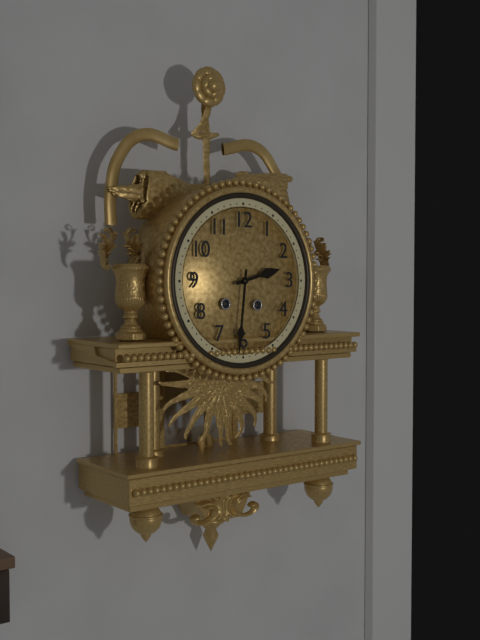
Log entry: 2h31
